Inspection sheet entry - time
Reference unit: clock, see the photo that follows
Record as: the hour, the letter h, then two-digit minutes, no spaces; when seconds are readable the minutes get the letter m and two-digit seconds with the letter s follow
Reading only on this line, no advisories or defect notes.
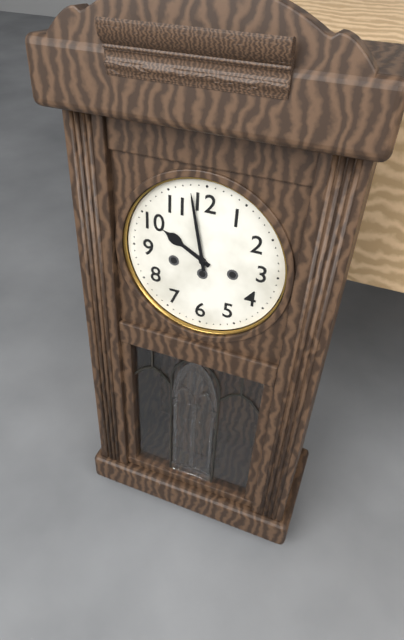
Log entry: 9h58
